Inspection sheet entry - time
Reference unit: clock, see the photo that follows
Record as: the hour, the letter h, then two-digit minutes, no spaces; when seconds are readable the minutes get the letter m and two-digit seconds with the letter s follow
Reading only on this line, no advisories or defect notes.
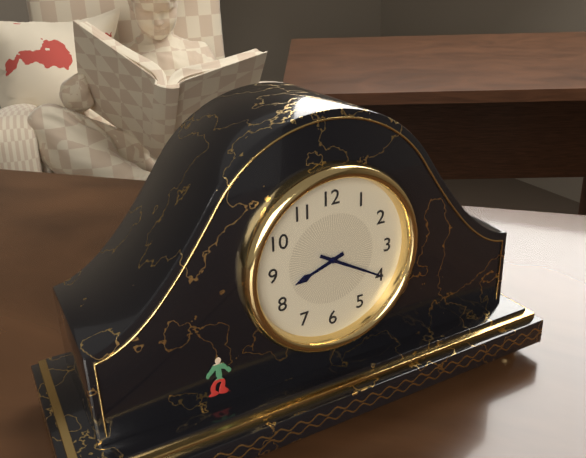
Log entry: 8h20
